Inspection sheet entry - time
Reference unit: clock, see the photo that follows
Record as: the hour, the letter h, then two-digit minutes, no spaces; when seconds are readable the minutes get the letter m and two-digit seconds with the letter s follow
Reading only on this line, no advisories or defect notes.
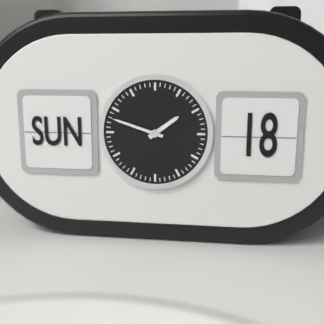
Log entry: 1h48
